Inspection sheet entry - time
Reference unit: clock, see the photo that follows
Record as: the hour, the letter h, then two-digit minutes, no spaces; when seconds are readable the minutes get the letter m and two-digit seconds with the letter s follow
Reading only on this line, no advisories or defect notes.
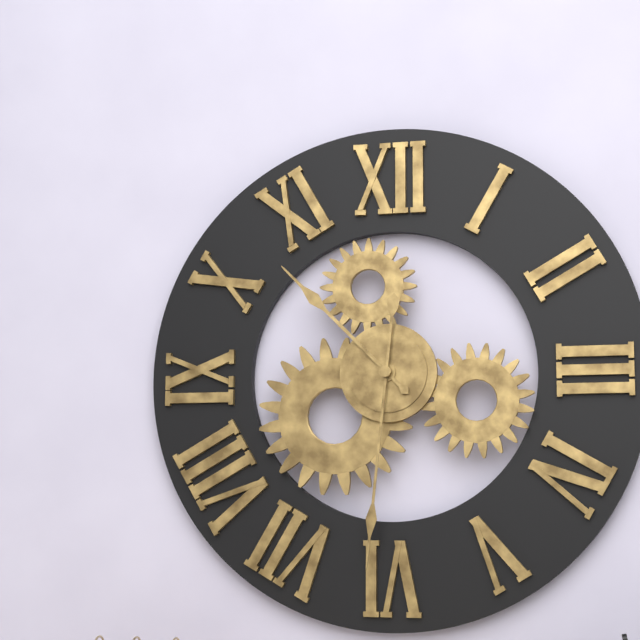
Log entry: 10h31
